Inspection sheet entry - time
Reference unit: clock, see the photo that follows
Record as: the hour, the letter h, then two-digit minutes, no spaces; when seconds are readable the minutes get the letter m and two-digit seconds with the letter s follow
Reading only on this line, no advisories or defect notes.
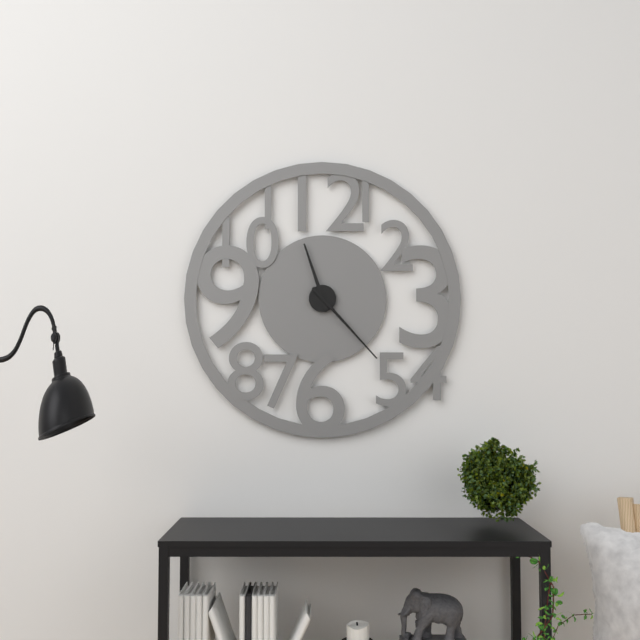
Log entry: 11h23
